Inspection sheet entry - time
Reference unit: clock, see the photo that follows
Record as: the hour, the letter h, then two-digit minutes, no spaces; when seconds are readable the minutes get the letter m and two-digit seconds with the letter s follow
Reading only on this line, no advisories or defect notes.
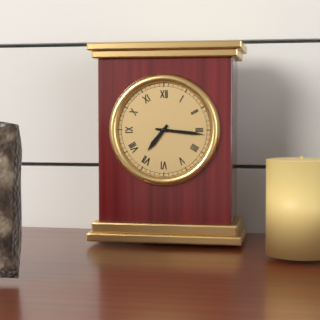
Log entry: 7h16
